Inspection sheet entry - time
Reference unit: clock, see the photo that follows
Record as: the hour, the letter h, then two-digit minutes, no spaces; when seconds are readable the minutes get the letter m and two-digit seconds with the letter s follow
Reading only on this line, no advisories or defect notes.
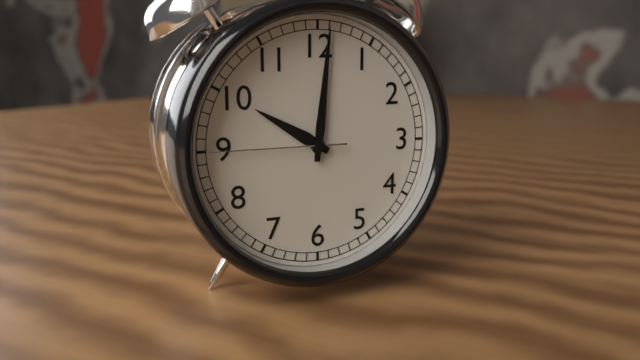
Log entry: 10h01m45s
